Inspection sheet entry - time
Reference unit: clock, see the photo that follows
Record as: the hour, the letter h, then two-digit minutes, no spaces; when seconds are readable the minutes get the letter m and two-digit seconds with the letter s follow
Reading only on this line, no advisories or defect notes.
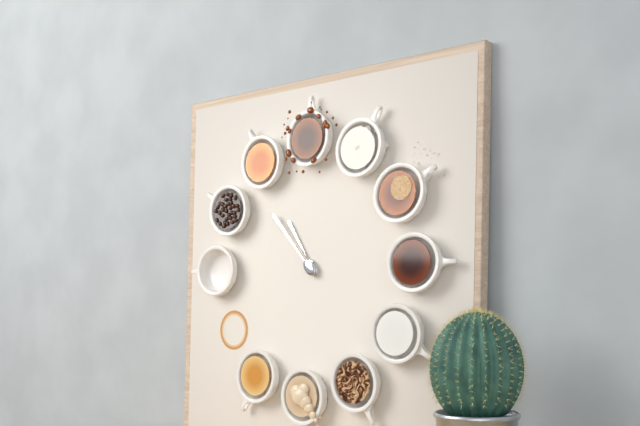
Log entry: 10h53
